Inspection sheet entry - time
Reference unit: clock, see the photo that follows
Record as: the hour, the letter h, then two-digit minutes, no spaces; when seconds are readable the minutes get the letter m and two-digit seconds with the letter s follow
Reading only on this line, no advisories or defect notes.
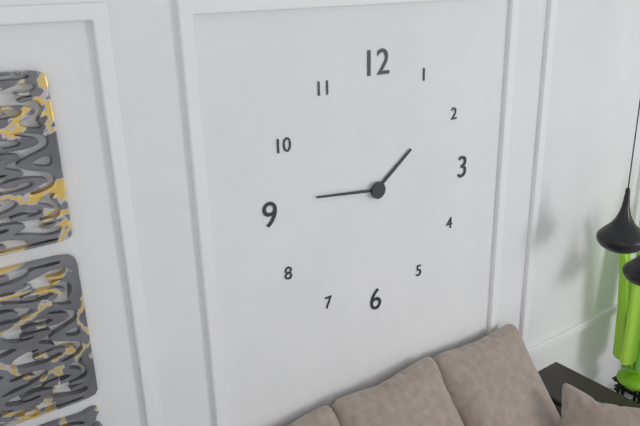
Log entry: 1h46
